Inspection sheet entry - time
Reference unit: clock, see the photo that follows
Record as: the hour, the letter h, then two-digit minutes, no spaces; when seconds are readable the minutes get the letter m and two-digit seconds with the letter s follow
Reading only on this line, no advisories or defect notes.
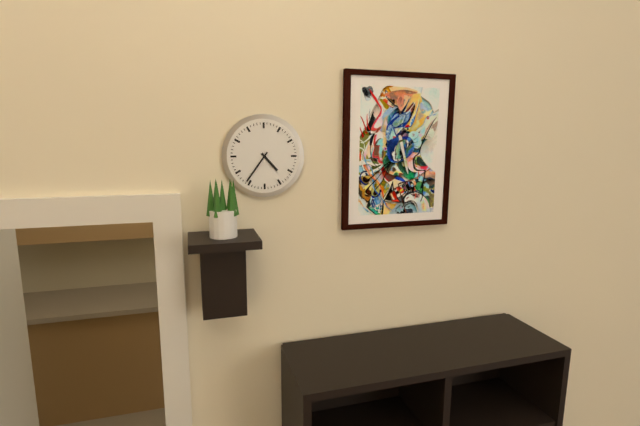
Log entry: 4h36
